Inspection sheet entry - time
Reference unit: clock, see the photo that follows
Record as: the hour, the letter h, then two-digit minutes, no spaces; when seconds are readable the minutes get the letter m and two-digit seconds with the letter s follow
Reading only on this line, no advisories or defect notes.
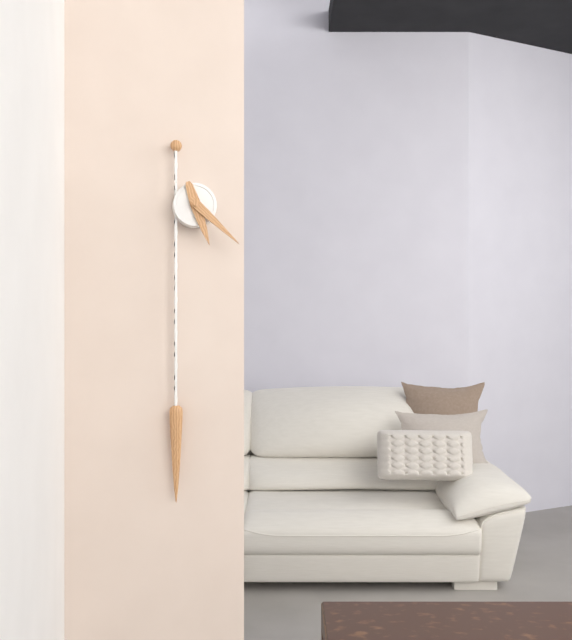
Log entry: 5h22
